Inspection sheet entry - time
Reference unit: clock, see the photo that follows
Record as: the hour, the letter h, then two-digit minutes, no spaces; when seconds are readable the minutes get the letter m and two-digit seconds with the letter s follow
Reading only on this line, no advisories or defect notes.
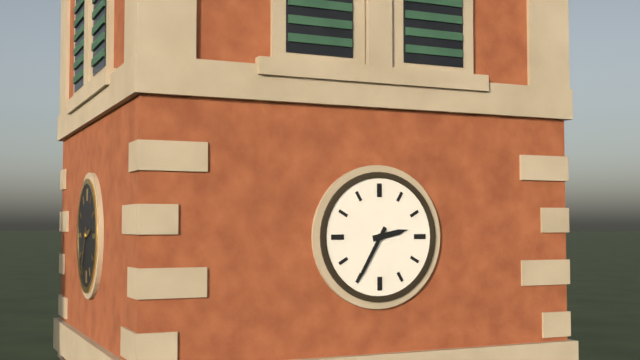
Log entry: 2h35
